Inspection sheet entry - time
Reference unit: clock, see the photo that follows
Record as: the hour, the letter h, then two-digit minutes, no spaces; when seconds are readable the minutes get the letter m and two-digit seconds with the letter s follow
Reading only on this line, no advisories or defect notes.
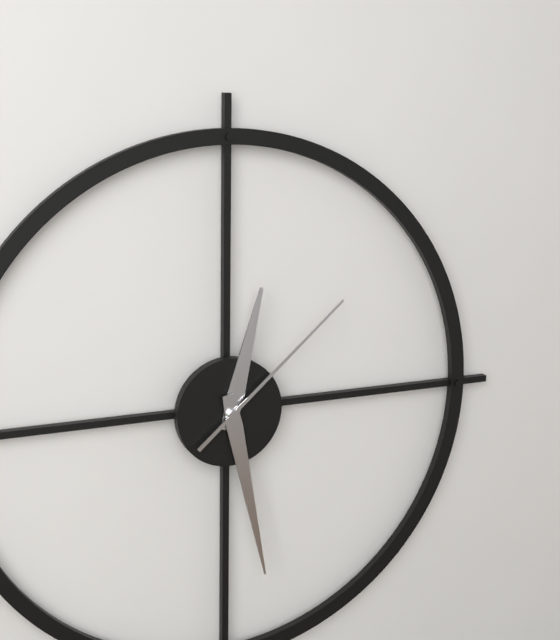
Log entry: 12h28m08s
